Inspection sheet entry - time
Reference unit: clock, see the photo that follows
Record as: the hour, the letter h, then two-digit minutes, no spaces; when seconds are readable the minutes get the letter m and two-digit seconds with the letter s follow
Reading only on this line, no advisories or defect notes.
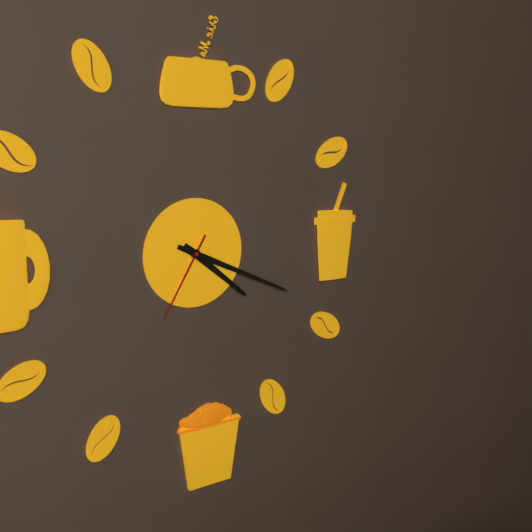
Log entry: 4h19m35s
